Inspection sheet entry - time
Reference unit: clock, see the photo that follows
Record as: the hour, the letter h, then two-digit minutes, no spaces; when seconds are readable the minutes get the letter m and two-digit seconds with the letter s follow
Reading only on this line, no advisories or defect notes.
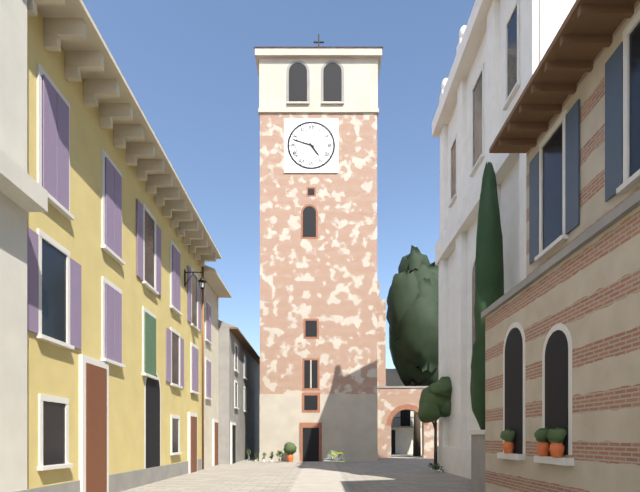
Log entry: 4h48
